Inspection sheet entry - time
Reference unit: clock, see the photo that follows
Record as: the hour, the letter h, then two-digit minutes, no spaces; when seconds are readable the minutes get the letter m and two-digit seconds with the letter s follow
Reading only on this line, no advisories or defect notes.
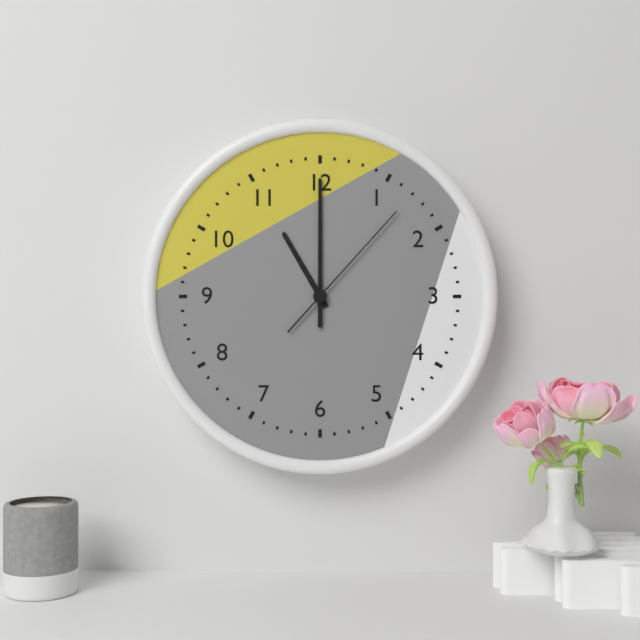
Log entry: 11h00m07s
